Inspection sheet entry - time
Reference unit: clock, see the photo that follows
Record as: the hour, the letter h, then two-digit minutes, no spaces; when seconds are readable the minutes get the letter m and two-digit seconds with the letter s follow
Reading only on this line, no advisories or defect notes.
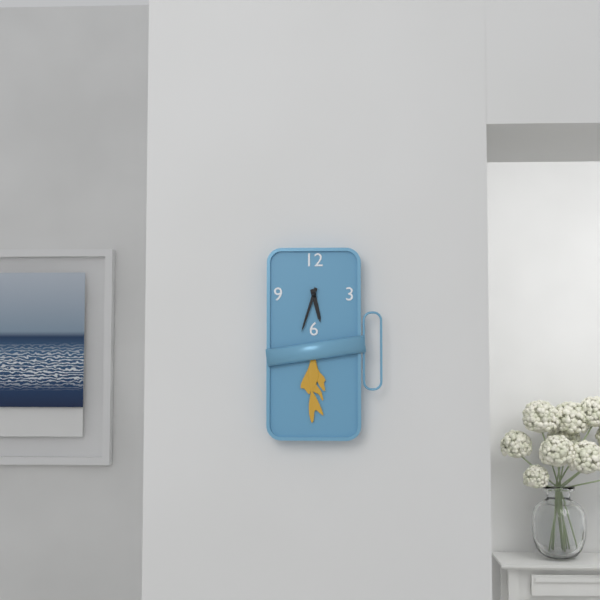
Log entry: 5h33
